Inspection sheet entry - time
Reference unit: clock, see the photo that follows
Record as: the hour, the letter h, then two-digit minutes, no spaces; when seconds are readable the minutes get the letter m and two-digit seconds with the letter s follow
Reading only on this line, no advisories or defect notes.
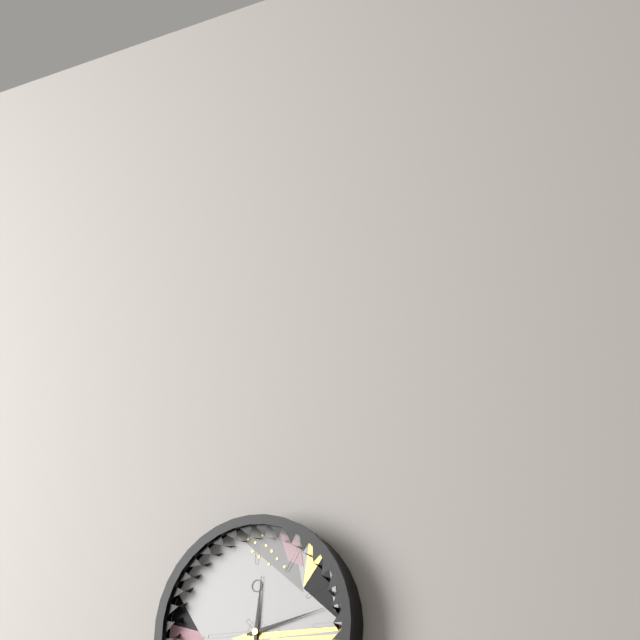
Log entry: 12h13
